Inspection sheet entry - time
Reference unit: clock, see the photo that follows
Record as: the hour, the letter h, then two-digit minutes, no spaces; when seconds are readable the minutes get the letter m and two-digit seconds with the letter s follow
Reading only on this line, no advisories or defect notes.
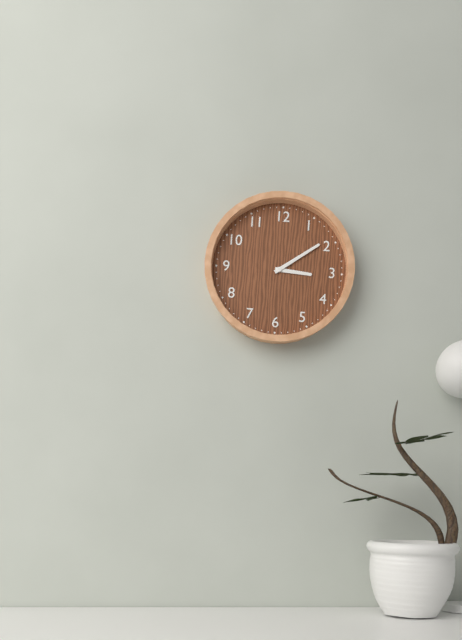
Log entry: 3h09
